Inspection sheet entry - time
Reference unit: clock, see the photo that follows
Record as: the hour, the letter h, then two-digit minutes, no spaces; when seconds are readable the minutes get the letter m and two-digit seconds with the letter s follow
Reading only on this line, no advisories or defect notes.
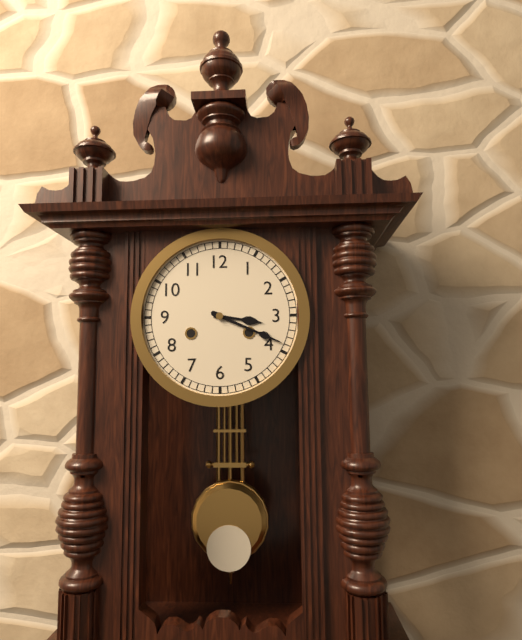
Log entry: 3h19
